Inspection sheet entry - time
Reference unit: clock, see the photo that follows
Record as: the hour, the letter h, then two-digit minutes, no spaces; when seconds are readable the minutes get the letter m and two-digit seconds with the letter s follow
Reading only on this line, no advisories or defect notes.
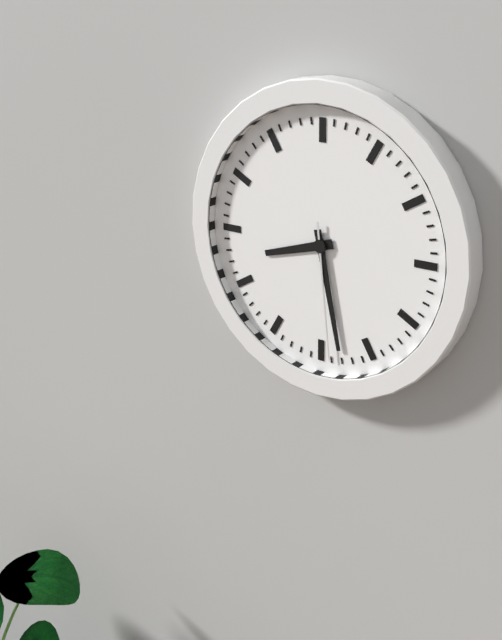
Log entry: 8h28m29s
